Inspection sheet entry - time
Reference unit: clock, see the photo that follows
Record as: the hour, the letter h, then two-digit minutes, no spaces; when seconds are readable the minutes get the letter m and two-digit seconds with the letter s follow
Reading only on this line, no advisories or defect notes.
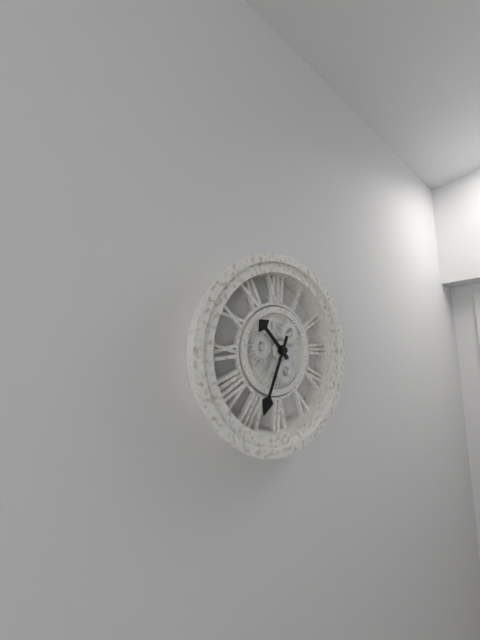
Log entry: 10h34
